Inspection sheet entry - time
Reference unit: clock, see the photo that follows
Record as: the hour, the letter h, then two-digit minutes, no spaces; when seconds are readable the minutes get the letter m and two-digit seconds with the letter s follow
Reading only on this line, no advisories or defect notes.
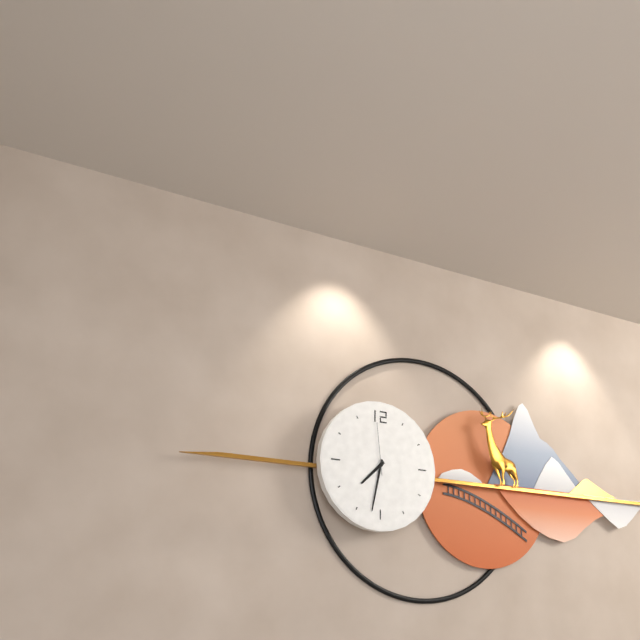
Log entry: 7h32m59s
